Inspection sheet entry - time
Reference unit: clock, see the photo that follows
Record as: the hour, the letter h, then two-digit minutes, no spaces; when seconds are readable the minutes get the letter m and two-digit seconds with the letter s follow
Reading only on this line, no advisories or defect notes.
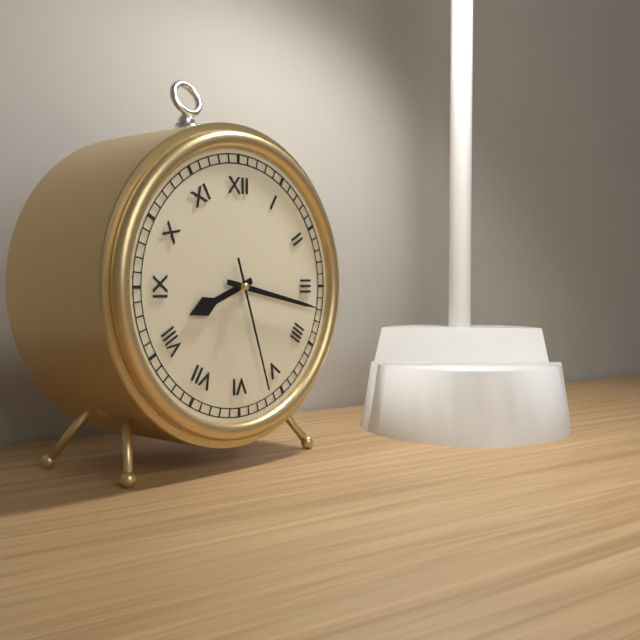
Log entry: 8h17m27s
